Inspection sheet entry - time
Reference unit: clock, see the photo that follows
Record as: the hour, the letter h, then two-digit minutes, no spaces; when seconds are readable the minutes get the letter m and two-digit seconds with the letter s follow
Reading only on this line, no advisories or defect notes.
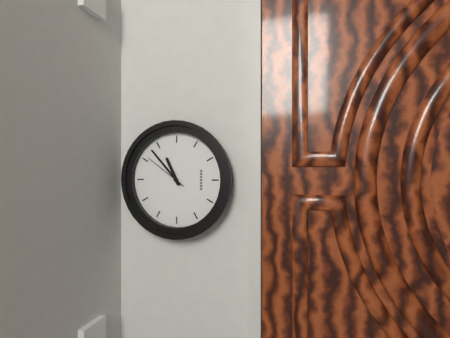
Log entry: 2h08
